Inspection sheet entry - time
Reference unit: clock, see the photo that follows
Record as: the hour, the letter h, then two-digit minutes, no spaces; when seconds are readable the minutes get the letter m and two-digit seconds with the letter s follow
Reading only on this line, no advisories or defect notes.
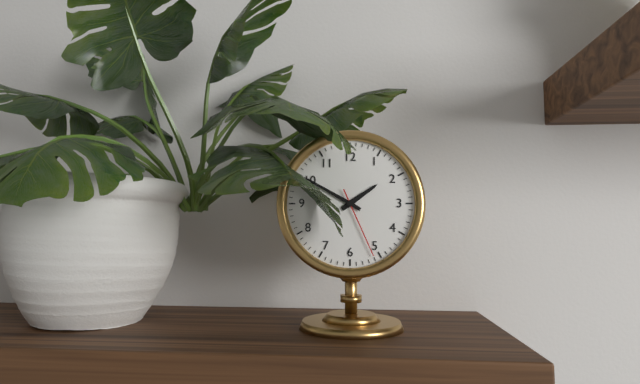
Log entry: 1h50m26s
